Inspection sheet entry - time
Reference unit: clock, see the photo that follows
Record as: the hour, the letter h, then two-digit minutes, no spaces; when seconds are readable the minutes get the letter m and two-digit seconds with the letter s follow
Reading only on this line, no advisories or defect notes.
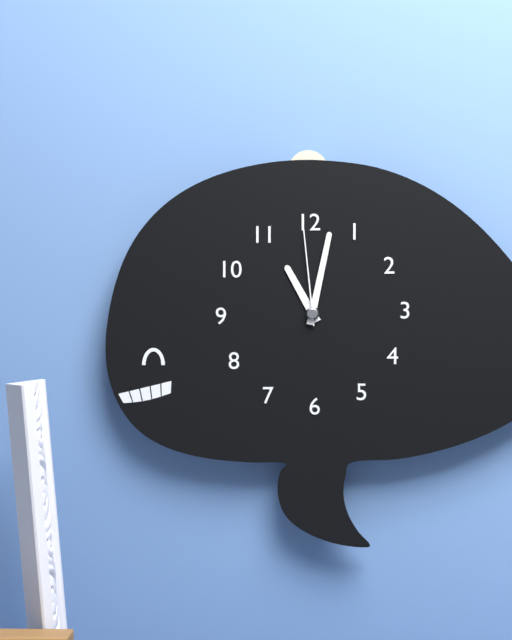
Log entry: 11h02m59s
